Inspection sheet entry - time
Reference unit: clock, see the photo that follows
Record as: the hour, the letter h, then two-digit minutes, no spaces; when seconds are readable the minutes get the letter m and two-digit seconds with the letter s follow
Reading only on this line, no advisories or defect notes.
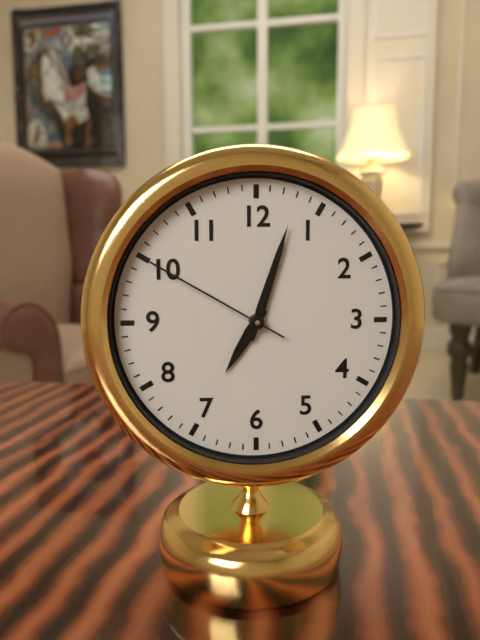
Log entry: 7h03m50s
